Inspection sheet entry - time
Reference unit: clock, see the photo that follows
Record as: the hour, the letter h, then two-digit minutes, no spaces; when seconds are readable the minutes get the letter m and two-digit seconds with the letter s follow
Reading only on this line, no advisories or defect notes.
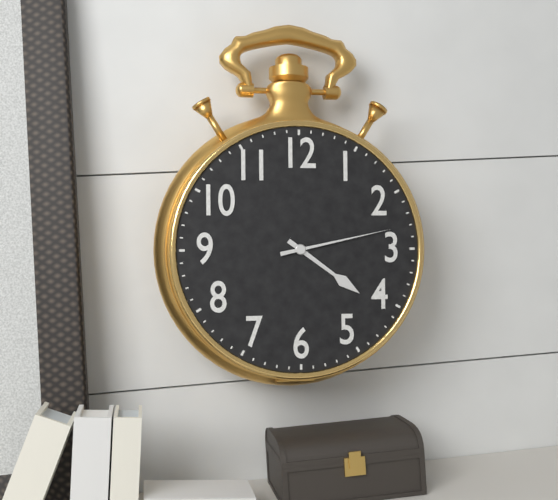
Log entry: 4h13
